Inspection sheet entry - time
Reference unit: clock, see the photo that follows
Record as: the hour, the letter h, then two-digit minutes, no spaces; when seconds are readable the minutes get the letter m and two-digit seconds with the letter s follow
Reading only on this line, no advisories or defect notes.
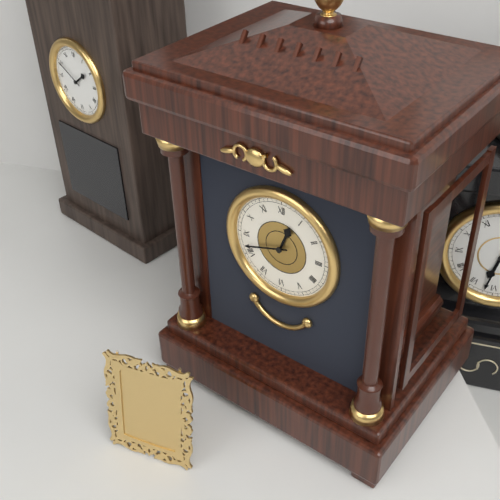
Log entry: 12h42
